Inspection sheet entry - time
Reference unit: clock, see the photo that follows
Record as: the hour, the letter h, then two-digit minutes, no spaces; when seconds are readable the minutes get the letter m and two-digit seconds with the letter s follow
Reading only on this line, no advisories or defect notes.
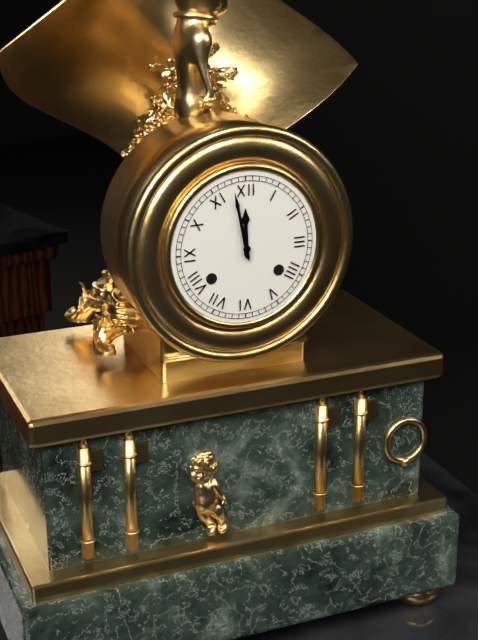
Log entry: 11h58
